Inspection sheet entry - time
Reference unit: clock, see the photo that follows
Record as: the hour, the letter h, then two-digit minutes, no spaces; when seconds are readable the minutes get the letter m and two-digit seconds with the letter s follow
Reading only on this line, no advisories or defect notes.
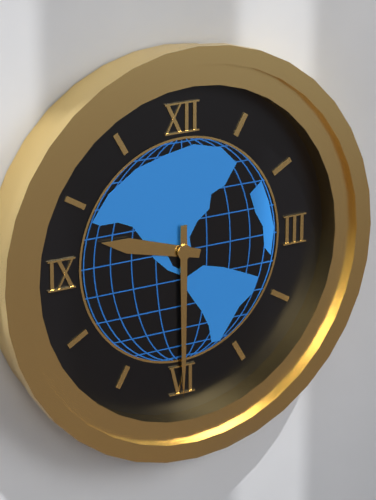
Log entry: 9h30
